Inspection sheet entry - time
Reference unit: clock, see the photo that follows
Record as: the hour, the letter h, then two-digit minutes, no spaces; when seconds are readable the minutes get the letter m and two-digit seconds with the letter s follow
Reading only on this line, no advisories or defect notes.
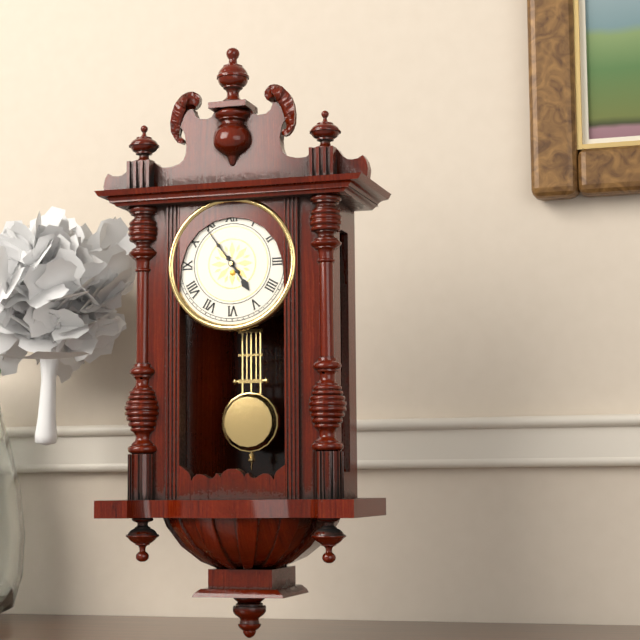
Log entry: 4h54
